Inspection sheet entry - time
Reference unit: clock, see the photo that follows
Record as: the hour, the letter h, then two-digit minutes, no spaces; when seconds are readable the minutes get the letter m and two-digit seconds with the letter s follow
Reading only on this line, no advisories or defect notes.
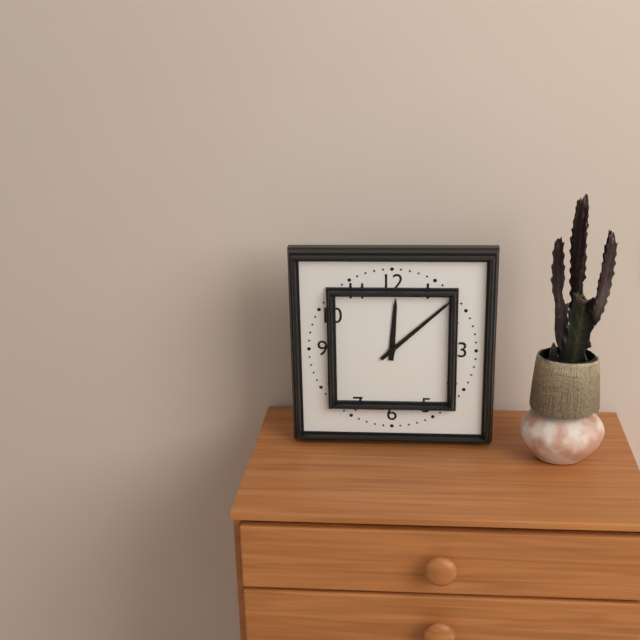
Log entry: 12h08
